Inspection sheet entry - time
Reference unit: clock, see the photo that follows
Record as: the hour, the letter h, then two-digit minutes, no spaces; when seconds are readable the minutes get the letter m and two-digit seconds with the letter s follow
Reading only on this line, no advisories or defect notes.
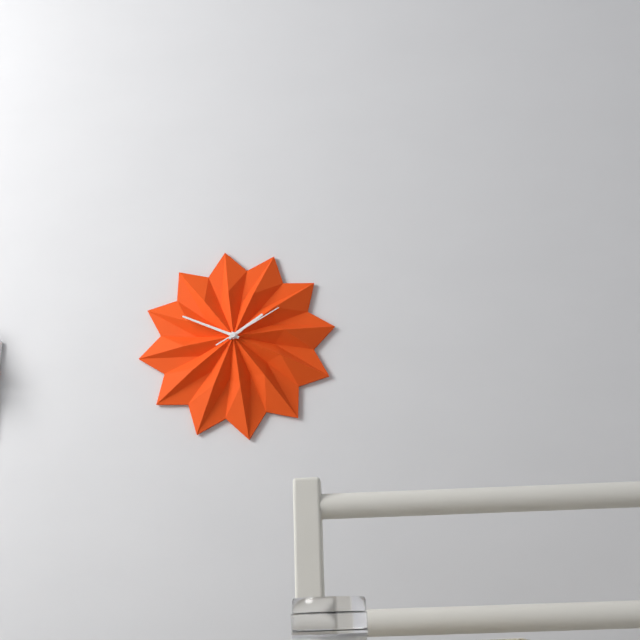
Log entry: 1h49m10s
